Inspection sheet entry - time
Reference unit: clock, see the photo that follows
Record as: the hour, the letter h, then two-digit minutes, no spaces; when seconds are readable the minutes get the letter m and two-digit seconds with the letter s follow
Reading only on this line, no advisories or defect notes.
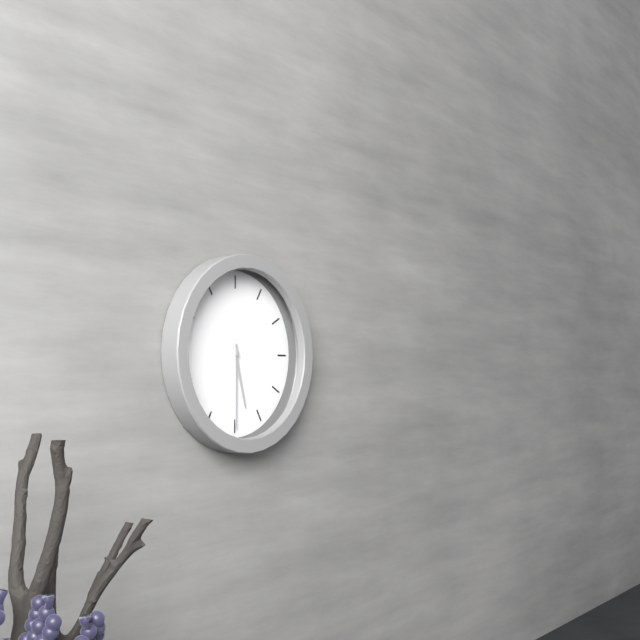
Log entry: 5h30
